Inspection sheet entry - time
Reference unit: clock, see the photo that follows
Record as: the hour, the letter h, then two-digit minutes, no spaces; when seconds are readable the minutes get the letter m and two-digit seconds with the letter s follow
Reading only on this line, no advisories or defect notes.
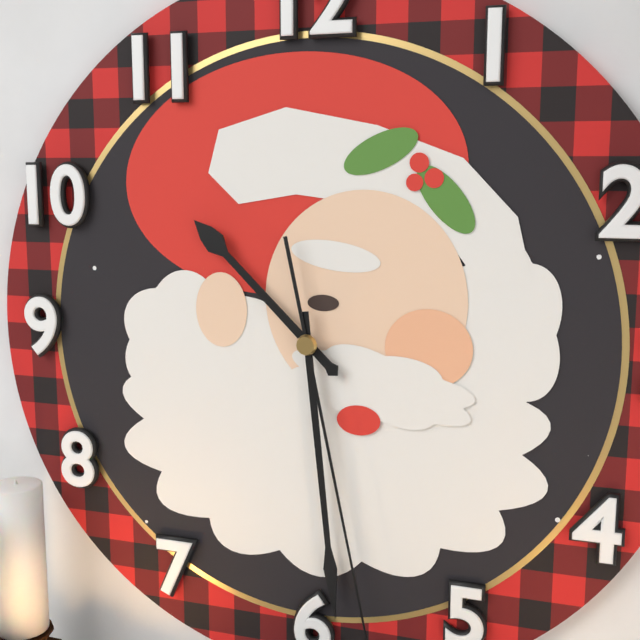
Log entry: 10h29
